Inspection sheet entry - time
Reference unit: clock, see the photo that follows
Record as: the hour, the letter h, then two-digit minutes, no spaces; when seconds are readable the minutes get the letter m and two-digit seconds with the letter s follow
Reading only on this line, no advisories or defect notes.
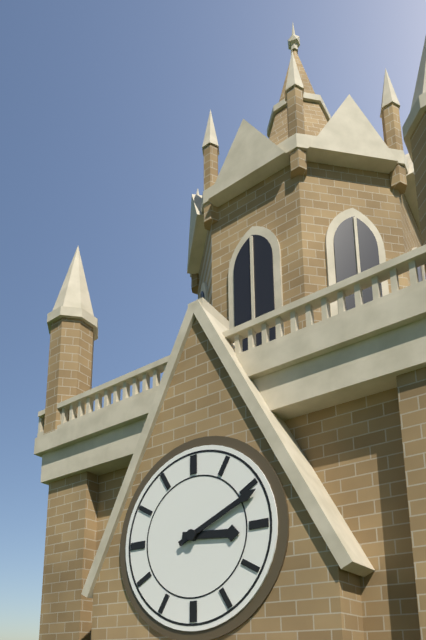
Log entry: 3h11
